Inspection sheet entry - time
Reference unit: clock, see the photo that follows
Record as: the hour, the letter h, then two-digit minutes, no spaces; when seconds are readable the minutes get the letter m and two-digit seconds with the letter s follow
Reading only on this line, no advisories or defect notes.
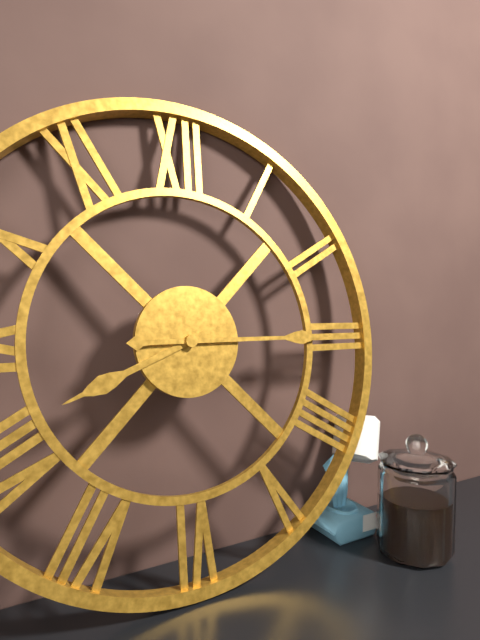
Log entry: 8h15
